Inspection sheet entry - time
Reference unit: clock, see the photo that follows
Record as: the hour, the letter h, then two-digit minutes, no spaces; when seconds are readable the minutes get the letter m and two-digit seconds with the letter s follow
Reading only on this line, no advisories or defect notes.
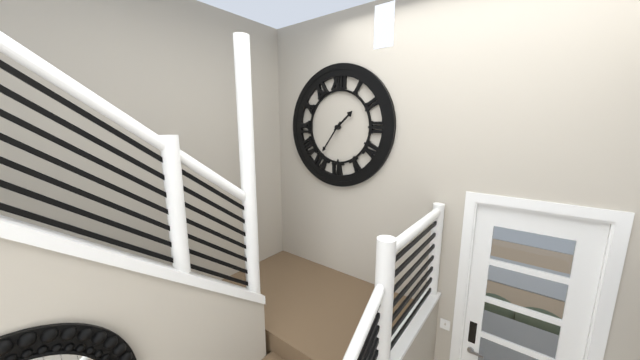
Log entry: 1h36
